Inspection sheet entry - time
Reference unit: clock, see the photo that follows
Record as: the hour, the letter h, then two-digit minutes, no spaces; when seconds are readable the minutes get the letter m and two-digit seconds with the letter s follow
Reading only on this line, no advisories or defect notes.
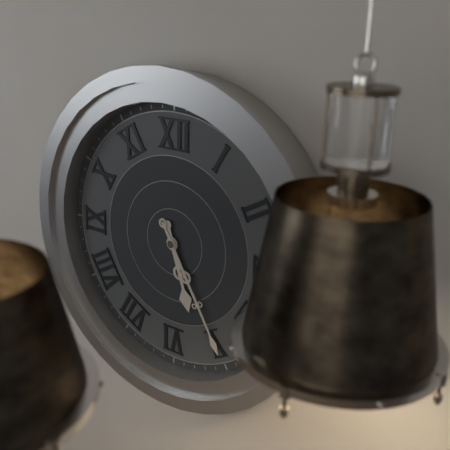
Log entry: 5h25
